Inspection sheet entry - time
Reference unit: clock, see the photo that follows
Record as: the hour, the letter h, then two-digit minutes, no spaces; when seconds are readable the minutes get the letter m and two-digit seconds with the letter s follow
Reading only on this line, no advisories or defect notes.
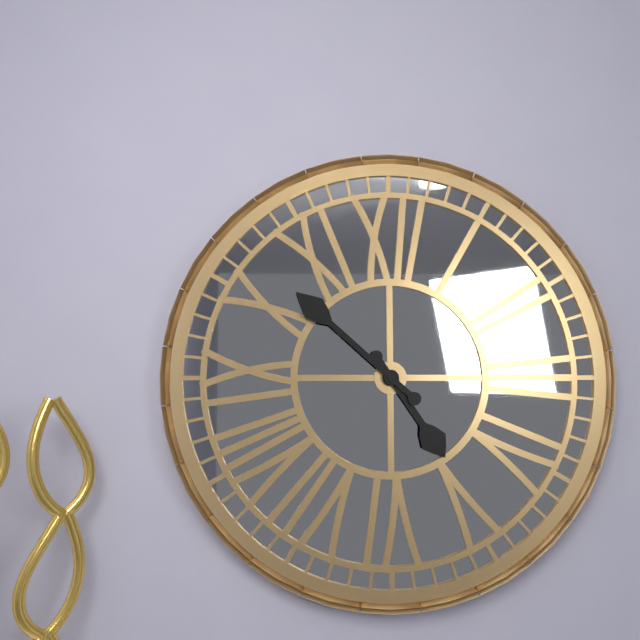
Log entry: 4h52
